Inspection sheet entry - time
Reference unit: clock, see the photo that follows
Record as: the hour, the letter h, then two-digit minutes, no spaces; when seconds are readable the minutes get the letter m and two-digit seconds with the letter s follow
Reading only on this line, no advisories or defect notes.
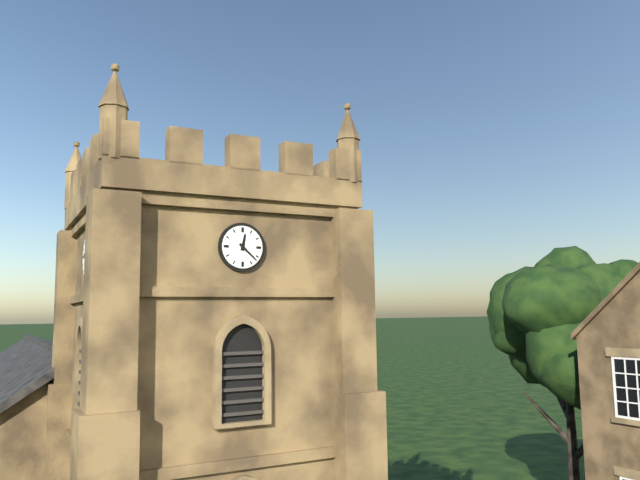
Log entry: 12h22
